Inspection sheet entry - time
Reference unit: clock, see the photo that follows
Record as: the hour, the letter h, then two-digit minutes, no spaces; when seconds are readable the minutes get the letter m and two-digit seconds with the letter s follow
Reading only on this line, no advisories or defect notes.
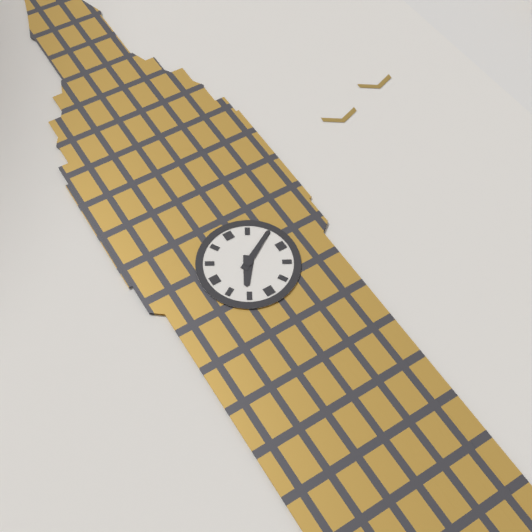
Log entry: 7h10
